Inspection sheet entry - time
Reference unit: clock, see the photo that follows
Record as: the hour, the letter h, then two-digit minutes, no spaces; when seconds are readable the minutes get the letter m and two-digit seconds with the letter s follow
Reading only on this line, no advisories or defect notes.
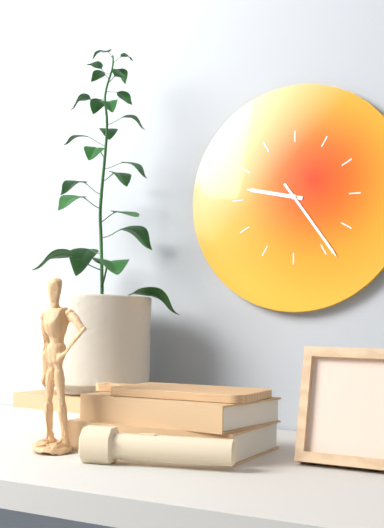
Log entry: 9h24
